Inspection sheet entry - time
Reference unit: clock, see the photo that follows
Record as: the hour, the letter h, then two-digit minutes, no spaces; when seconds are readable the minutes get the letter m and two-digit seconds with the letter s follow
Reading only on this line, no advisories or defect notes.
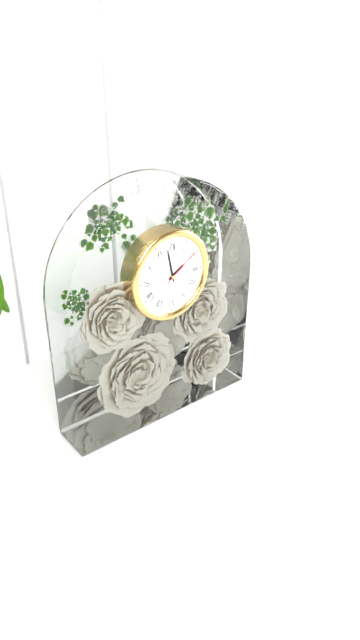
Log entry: 1h58
